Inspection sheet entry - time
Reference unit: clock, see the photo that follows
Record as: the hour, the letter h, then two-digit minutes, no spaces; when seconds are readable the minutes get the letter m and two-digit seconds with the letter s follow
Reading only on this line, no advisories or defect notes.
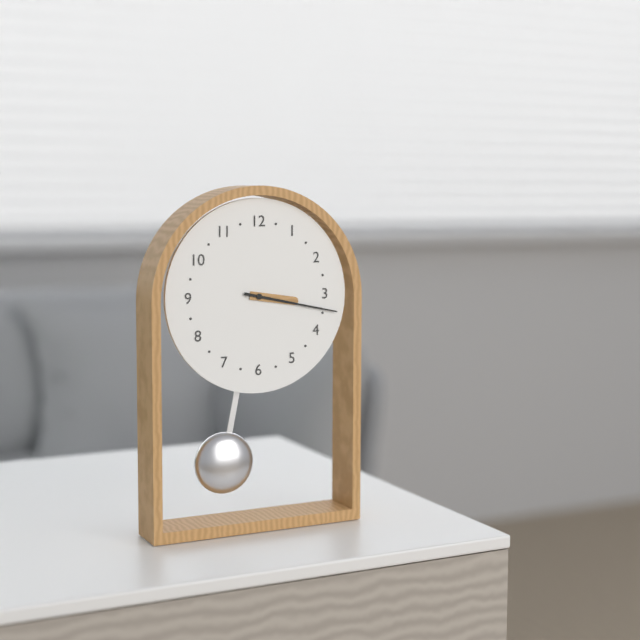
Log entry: 3h17
